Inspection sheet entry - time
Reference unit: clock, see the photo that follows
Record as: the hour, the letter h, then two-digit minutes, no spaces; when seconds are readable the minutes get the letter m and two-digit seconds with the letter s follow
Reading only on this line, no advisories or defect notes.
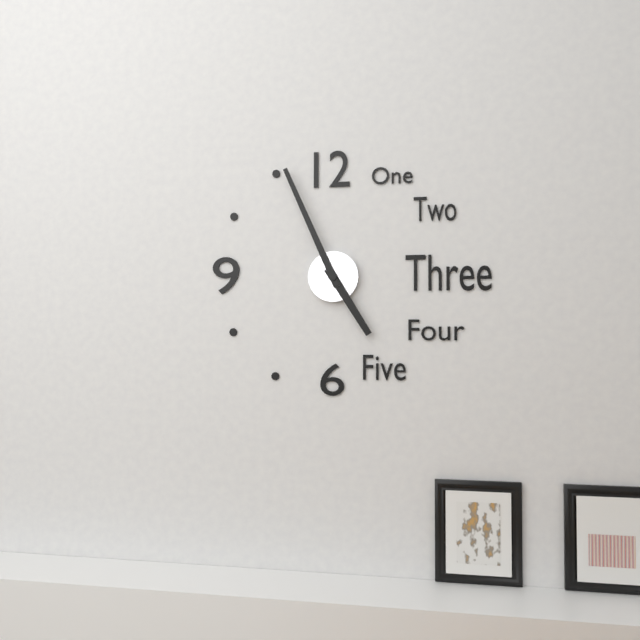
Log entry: 4h56
